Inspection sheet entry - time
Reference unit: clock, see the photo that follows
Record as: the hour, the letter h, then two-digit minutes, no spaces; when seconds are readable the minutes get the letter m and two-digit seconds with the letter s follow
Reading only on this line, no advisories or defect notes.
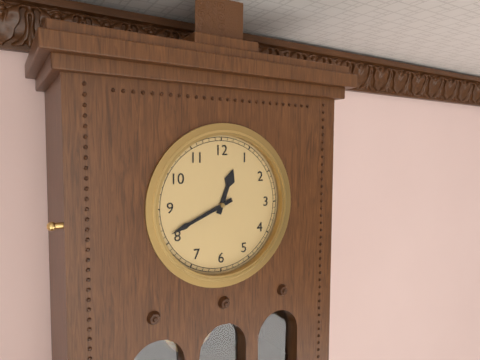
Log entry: 12h41
